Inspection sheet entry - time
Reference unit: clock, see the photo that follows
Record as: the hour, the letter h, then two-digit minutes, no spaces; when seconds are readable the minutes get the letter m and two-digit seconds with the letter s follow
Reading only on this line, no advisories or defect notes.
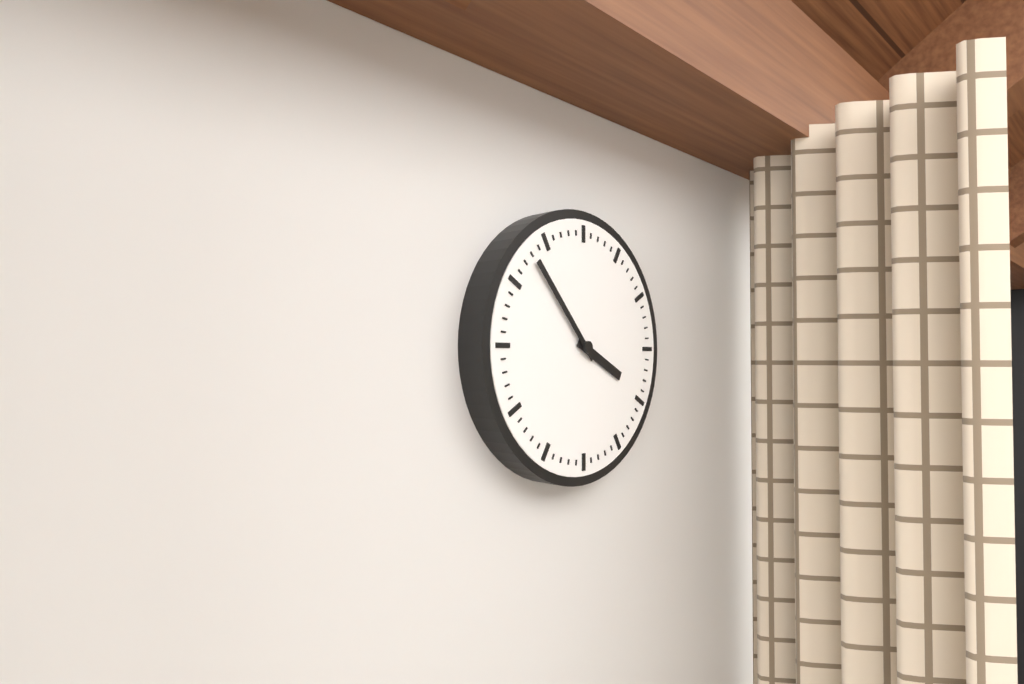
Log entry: 3h53
